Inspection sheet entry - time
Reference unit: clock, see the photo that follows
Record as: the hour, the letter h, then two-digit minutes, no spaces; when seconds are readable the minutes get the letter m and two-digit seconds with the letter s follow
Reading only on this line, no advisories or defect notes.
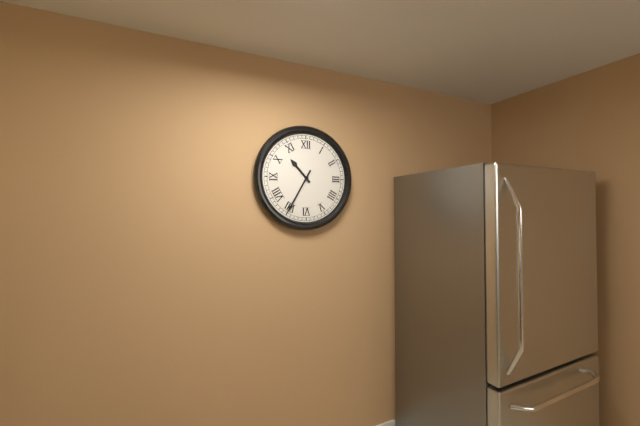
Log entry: 10h35
